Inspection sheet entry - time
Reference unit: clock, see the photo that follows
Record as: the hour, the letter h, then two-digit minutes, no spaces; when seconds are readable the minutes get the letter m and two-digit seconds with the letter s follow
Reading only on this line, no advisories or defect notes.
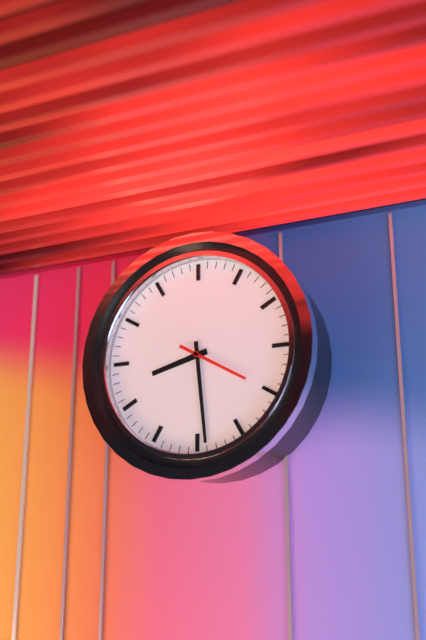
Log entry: 8h29m20s
